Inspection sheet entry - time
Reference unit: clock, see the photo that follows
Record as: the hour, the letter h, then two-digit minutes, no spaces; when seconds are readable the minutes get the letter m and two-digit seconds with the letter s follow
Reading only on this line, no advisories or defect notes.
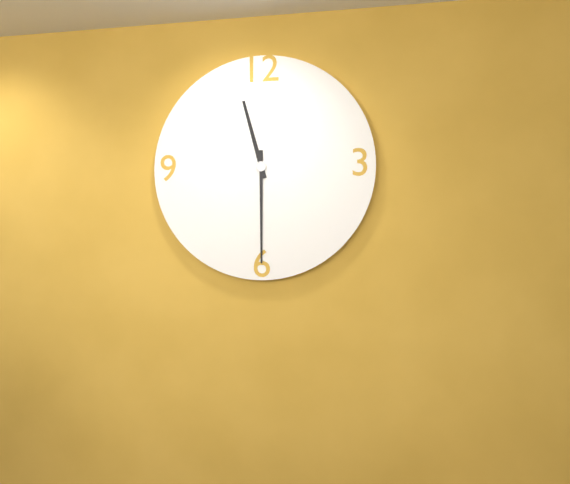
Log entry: 11h30
